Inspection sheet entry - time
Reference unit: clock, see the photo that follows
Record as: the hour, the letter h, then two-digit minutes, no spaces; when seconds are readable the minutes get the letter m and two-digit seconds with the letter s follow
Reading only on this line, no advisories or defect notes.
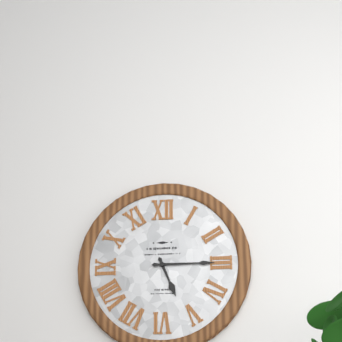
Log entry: 5h15
